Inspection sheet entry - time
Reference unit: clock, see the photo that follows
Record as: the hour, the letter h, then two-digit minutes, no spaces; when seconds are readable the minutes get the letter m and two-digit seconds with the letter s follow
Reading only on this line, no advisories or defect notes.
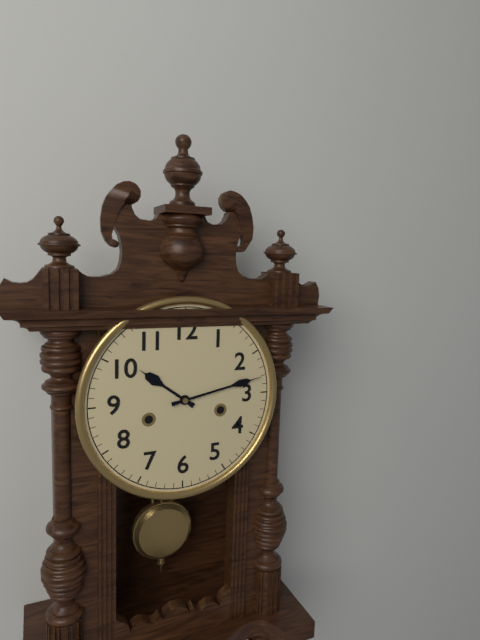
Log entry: 10h13
